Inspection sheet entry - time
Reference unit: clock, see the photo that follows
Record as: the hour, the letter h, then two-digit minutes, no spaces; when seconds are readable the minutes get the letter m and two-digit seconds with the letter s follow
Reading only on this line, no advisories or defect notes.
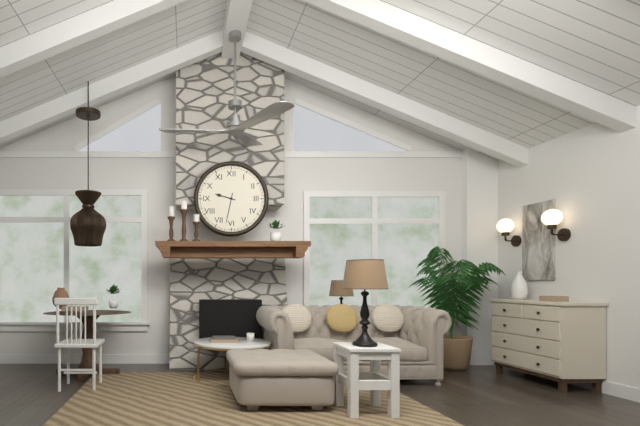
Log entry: 9h32
